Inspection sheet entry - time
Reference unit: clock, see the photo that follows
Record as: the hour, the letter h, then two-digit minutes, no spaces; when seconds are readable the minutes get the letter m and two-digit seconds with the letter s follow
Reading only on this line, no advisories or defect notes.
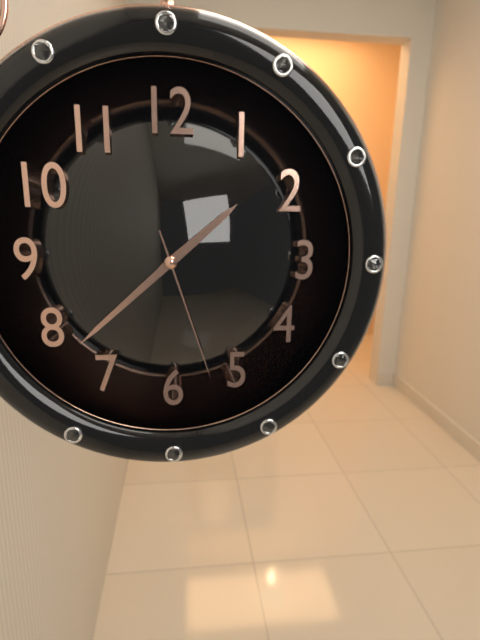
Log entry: 1h38m27s
